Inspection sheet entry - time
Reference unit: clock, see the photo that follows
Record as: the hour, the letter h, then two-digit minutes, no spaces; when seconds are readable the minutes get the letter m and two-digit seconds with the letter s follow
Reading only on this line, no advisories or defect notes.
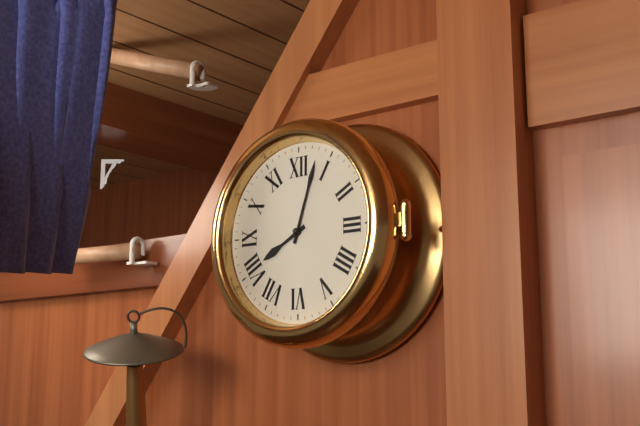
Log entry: 8h03
